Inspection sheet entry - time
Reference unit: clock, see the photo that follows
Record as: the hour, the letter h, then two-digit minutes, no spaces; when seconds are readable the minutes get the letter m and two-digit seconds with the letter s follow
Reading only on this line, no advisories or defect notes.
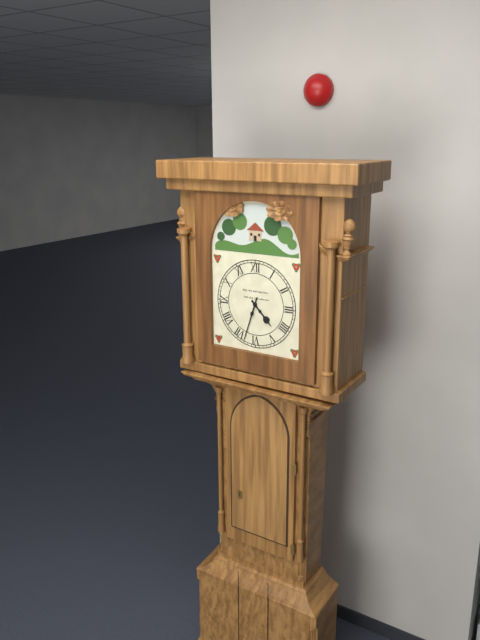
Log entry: 4h33
